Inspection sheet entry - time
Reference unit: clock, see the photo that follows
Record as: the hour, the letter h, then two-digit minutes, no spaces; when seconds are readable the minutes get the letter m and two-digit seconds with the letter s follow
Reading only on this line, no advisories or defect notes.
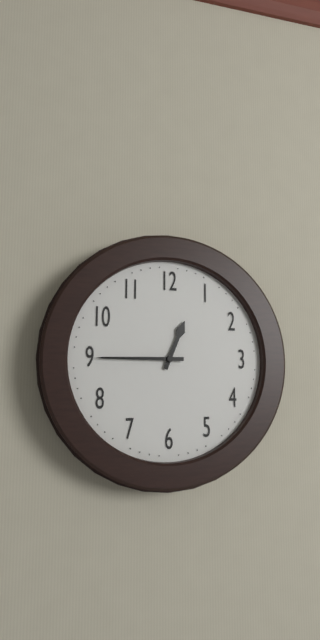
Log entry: 12h45
